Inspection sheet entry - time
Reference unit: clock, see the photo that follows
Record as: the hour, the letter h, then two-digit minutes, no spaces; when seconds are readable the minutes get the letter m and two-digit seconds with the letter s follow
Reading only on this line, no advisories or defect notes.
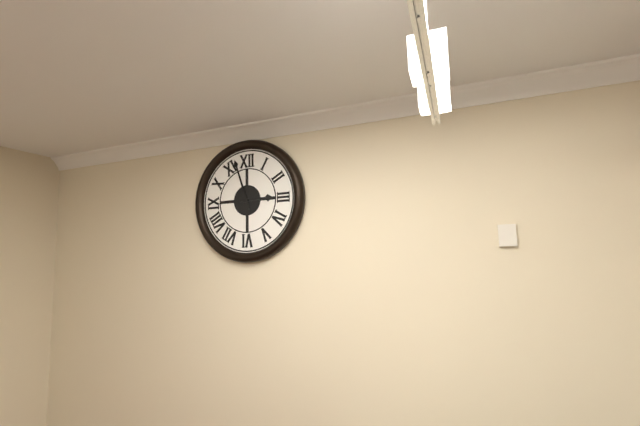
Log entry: 2h57
